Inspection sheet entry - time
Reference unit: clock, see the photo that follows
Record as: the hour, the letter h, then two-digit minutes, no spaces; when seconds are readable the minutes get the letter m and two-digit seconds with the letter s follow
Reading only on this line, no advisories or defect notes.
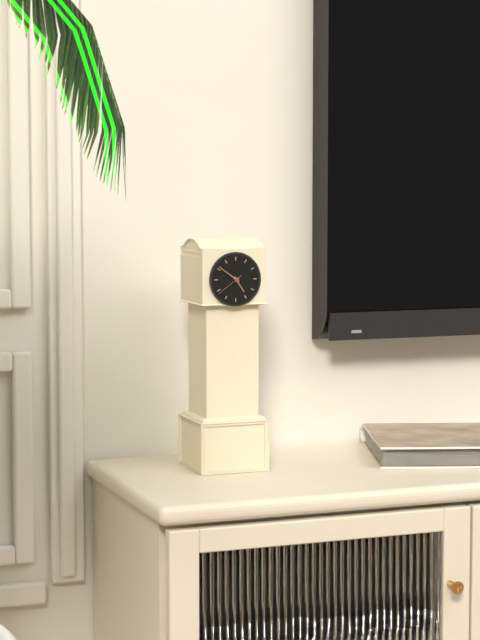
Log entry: 4h51
